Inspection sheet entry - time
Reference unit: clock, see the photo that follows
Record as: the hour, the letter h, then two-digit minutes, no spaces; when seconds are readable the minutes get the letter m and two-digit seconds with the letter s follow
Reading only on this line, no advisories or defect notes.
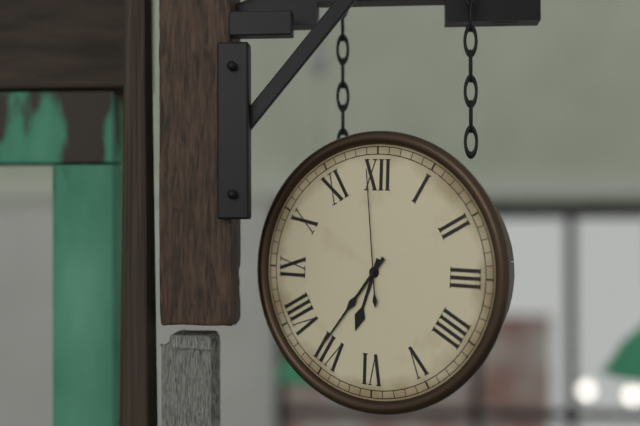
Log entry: 6h36m59s
